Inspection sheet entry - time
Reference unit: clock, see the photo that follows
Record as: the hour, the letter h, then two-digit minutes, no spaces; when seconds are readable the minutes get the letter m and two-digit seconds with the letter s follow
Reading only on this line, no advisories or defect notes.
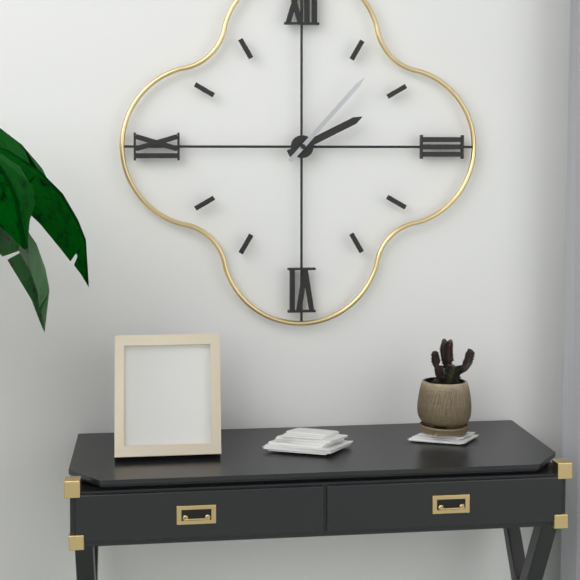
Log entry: 2h07
